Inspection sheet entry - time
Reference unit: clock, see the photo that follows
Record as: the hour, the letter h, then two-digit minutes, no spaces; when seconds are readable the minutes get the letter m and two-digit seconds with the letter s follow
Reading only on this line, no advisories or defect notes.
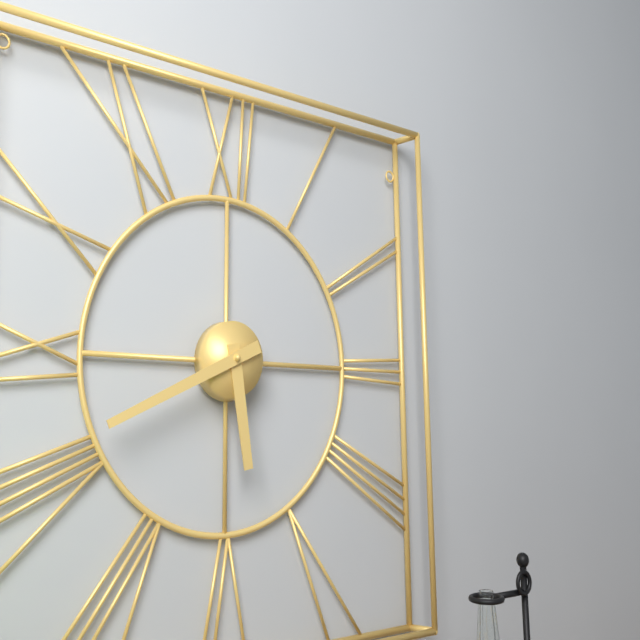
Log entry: 5h41
